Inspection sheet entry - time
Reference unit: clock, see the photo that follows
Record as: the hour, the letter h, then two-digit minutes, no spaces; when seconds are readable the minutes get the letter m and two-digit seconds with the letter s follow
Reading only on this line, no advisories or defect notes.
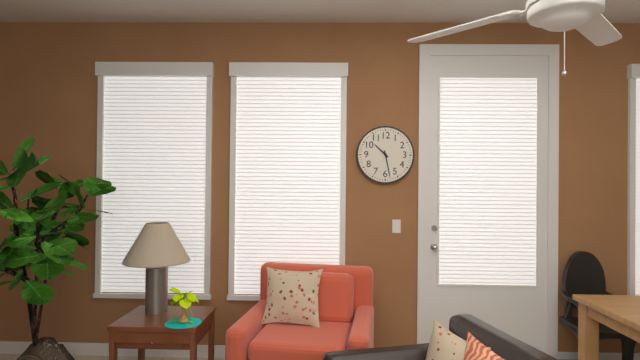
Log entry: 10h28
